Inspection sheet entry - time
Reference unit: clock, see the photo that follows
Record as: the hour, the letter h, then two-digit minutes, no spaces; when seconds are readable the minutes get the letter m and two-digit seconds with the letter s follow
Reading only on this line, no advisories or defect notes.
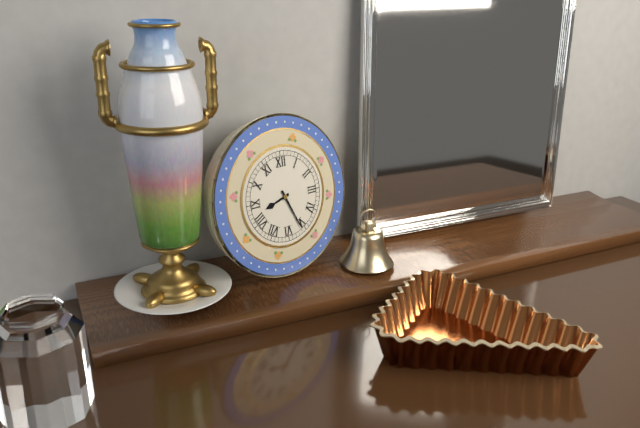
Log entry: 8h26
